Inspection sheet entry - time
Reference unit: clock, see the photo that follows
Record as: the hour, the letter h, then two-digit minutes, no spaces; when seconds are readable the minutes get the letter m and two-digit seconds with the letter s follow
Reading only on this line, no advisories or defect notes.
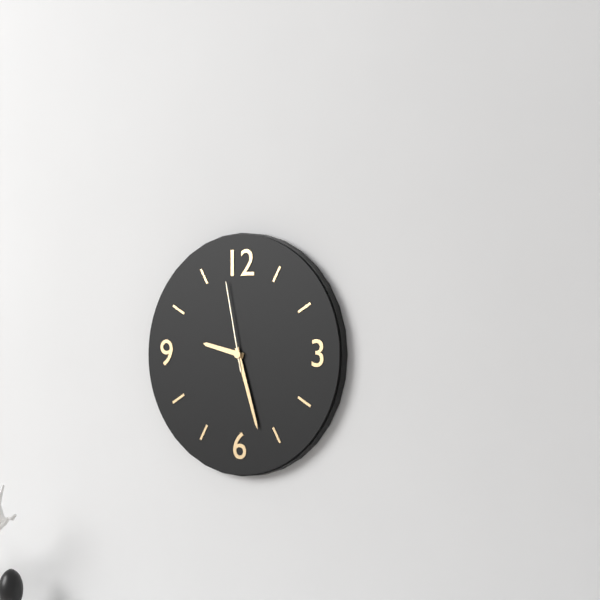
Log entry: 9h27m58s
